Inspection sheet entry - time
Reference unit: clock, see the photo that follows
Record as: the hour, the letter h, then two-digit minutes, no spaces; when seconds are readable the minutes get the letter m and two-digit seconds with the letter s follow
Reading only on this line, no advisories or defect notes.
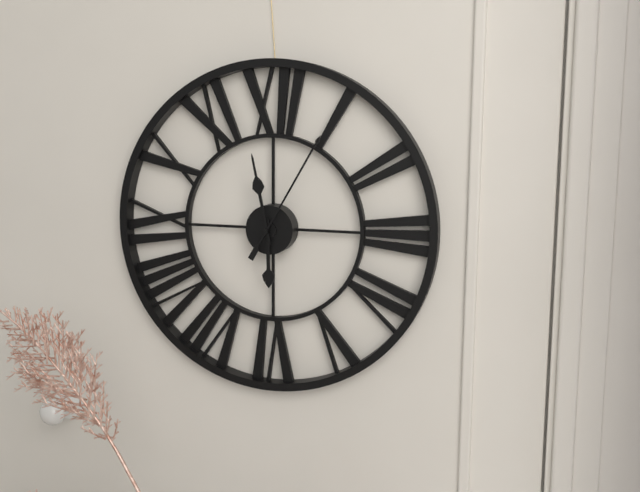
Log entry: 5h58m05s
